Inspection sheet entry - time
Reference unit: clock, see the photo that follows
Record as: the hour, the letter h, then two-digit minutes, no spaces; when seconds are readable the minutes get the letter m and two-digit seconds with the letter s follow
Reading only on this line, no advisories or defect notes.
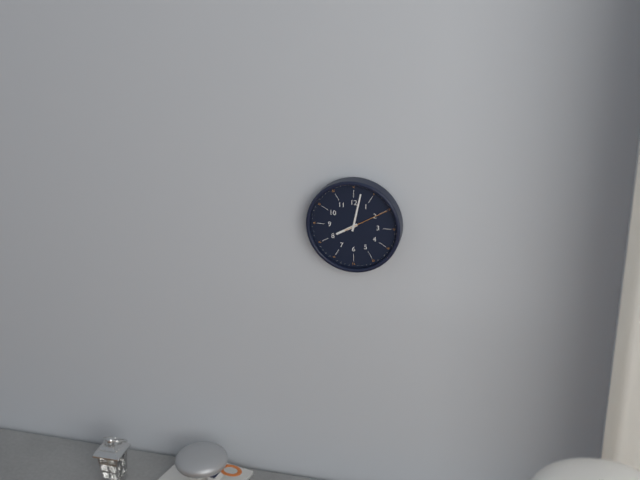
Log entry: 8h02
